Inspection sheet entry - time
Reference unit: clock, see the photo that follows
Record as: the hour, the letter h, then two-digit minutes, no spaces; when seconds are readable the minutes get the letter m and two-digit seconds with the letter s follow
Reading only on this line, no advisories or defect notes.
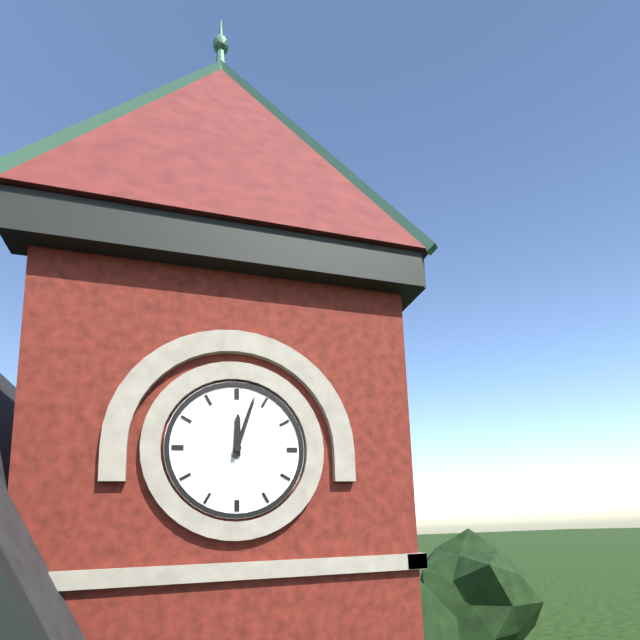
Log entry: 12h03
